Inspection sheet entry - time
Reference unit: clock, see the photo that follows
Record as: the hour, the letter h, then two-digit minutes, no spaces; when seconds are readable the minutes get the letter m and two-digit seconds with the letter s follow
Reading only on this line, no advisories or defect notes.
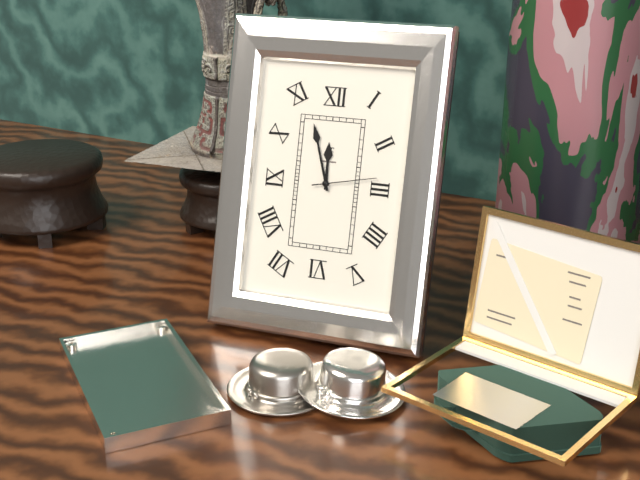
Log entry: 11h57m13s
